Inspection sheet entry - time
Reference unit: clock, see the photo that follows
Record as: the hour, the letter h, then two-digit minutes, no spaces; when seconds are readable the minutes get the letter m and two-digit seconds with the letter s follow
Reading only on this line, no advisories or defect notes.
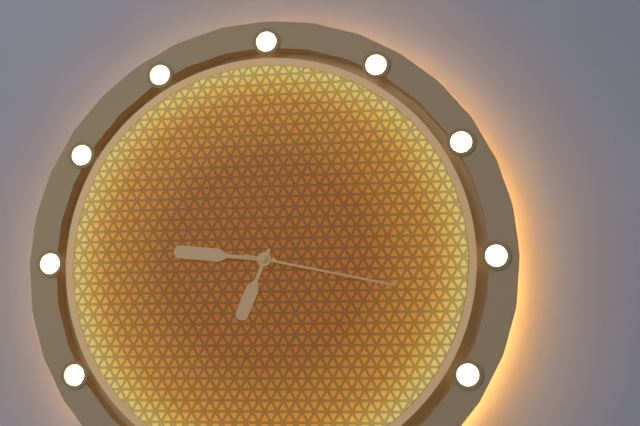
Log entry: 6h46m17s
